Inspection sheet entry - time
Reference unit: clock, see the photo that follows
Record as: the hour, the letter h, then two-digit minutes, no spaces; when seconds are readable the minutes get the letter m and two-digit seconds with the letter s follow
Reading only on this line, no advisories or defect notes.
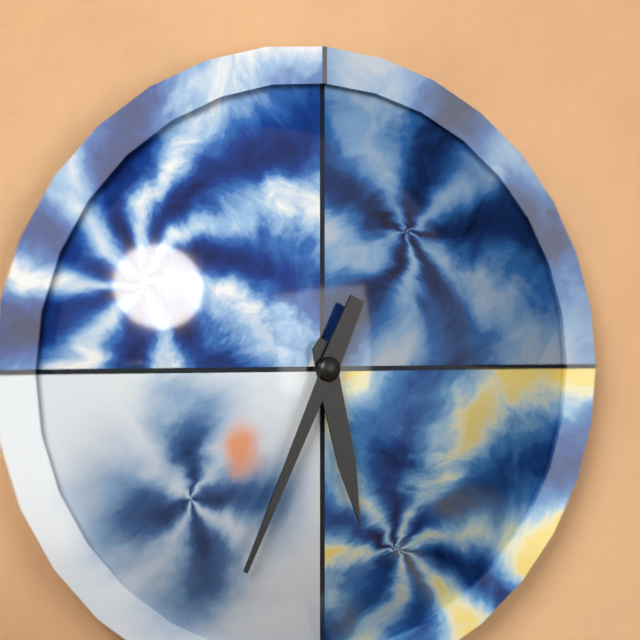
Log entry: 5h34
